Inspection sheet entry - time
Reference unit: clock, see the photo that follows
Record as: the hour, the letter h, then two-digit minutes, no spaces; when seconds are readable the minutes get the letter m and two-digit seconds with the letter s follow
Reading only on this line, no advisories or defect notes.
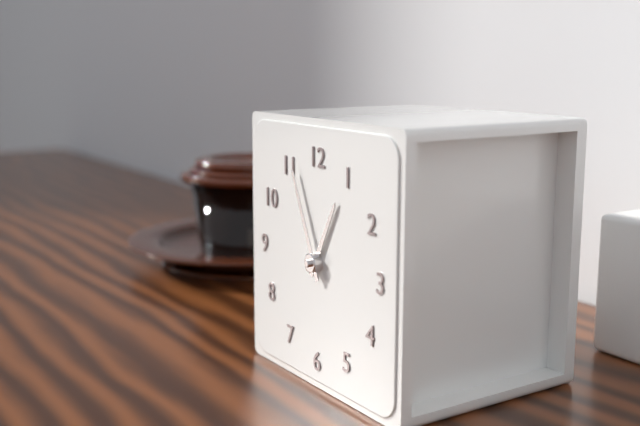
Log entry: 12h56
